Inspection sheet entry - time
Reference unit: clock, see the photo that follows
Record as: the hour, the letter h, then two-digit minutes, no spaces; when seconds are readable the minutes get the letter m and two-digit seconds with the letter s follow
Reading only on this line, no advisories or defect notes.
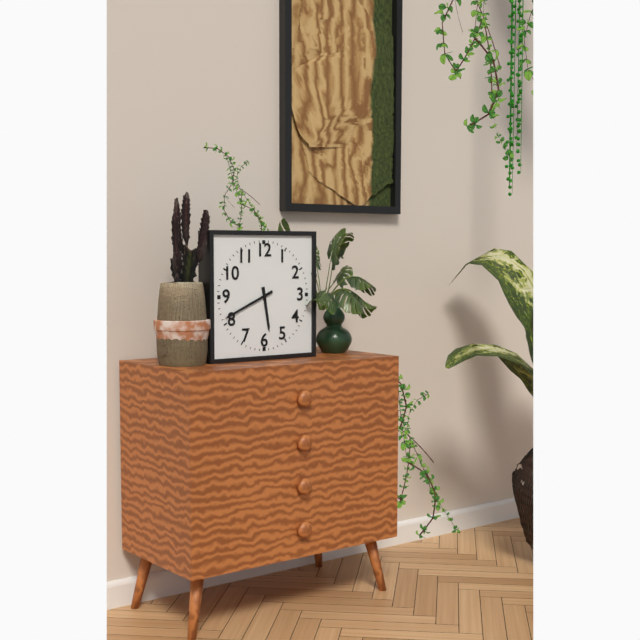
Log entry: 5h41
